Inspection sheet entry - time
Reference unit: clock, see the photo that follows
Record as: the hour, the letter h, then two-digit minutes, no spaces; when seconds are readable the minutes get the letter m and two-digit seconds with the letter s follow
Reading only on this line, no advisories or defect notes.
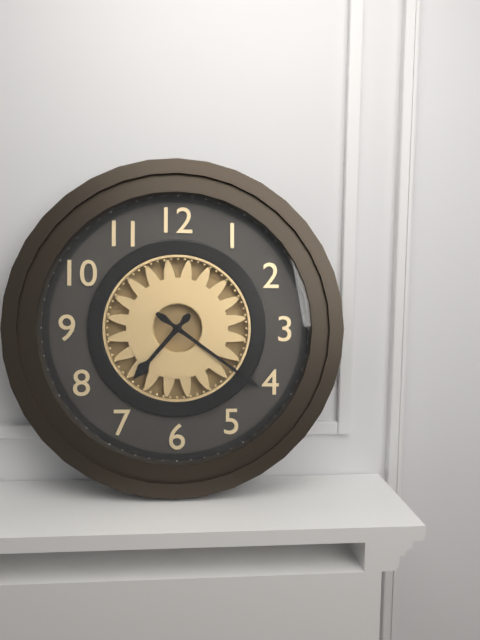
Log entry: 7h21
